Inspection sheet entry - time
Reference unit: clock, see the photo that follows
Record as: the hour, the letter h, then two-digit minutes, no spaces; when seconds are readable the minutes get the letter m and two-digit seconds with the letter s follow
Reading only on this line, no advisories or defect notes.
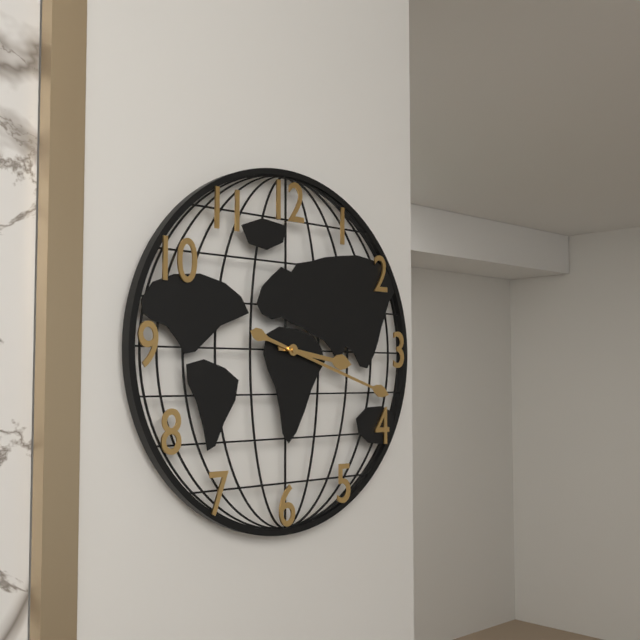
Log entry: 3h18
